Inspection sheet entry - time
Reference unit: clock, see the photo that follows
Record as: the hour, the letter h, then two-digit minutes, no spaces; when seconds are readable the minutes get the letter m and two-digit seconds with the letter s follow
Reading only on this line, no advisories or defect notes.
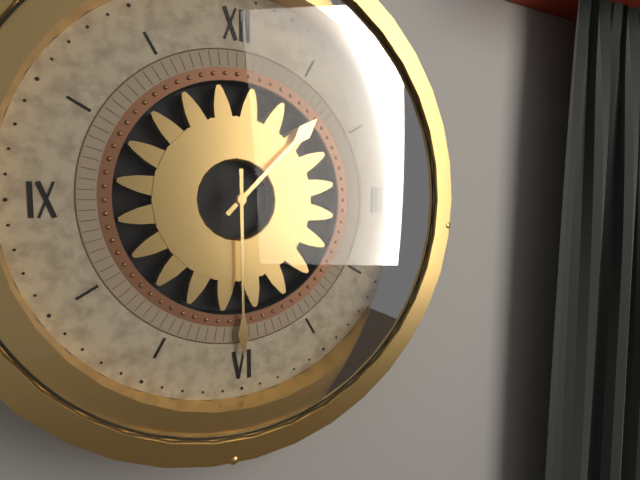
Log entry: 1h30
